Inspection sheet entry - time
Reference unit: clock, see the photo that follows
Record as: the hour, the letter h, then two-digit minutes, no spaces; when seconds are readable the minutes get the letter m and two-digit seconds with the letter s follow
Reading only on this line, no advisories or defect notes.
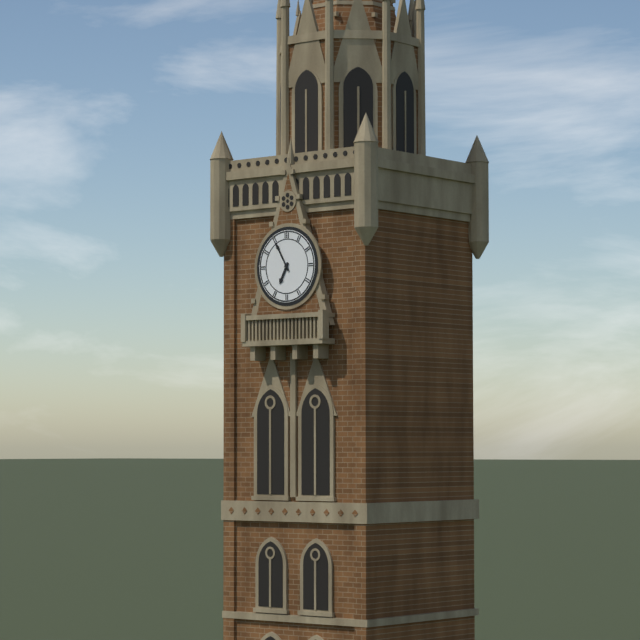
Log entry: 6h55
